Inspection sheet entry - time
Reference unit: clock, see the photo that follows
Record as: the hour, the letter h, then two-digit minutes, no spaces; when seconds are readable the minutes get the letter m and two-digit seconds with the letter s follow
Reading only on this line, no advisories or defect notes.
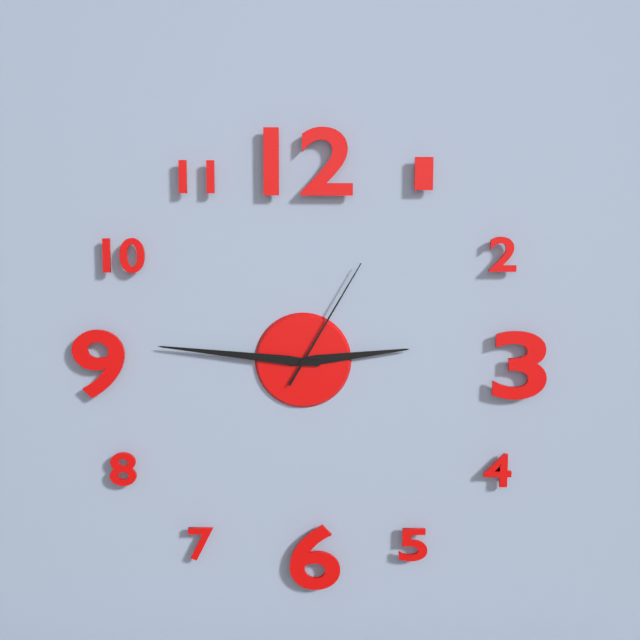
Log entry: 2h46m05s
